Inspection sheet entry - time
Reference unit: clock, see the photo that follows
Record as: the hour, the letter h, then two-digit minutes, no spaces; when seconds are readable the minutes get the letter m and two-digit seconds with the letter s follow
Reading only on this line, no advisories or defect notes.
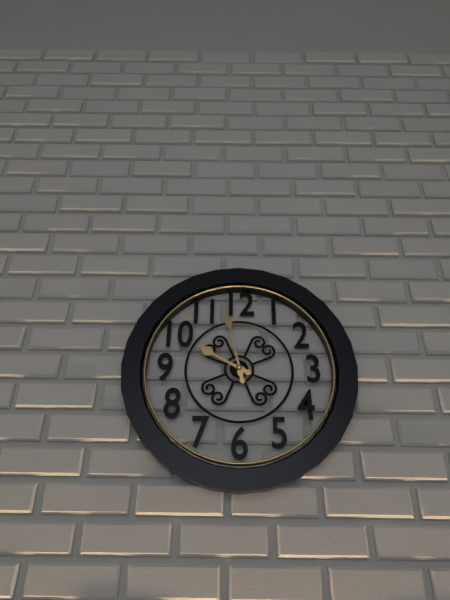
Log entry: 9h58
